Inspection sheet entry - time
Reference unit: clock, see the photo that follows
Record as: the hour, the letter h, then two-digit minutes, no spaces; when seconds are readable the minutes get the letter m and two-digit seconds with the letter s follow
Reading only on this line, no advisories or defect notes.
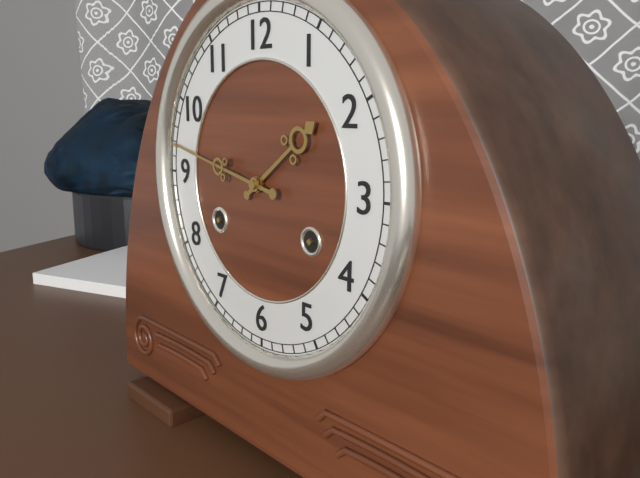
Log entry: 1h47
